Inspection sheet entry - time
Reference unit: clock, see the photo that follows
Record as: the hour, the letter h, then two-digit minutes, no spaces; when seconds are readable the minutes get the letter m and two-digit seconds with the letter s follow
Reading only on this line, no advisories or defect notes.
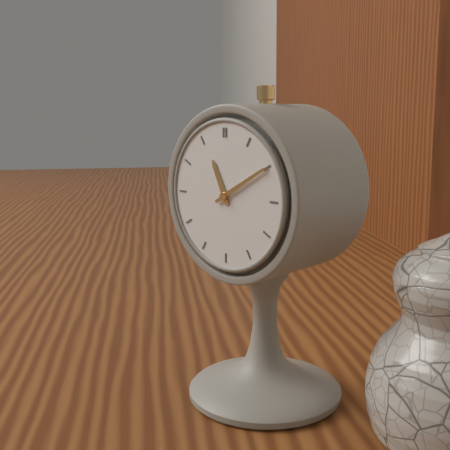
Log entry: 11h10
